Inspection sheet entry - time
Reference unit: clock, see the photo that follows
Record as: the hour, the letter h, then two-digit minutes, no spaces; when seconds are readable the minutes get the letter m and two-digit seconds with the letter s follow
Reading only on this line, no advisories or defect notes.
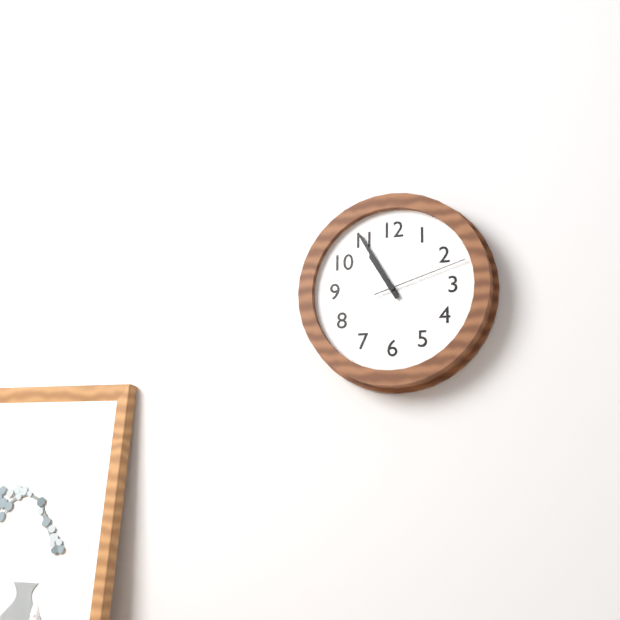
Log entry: 10h55m12s
